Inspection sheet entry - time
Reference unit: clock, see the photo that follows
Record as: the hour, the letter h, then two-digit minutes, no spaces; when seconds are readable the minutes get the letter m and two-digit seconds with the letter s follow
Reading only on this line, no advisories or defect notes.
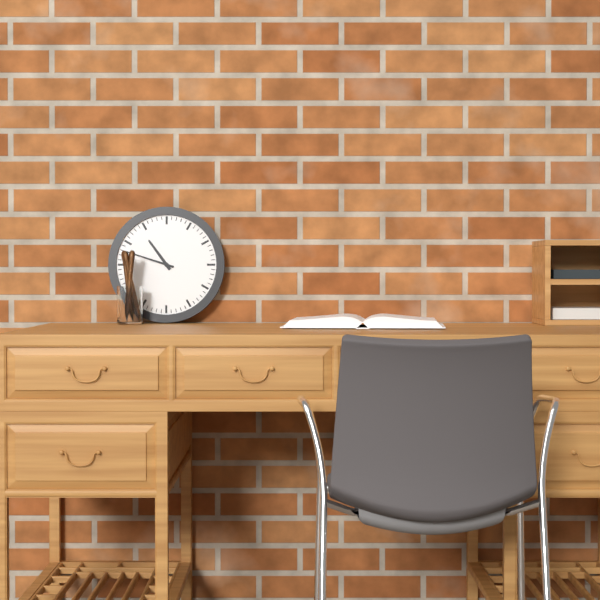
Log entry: 10h48
